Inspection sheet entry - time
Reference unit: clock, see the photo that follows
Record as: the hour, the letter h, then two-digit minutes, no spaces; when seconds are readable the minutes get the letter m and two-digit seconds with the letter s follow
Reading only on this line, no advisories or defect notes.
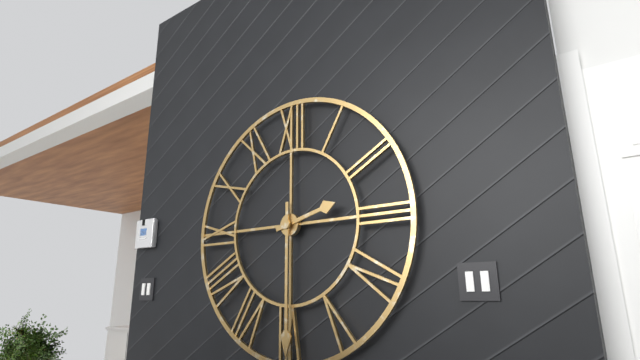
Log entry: 2h30
